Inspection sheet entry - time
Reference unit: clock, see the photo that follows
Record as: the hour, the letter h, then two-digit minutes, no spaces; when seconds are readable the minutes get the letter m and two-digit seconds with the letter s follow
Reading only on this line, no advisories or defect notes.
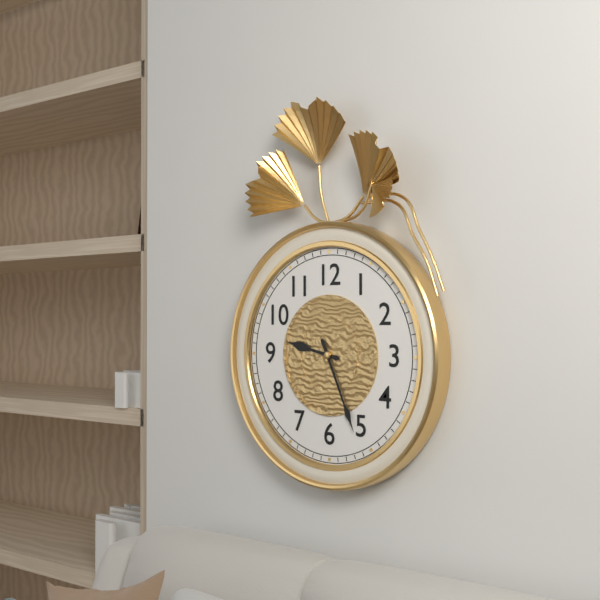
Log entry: 9h26
